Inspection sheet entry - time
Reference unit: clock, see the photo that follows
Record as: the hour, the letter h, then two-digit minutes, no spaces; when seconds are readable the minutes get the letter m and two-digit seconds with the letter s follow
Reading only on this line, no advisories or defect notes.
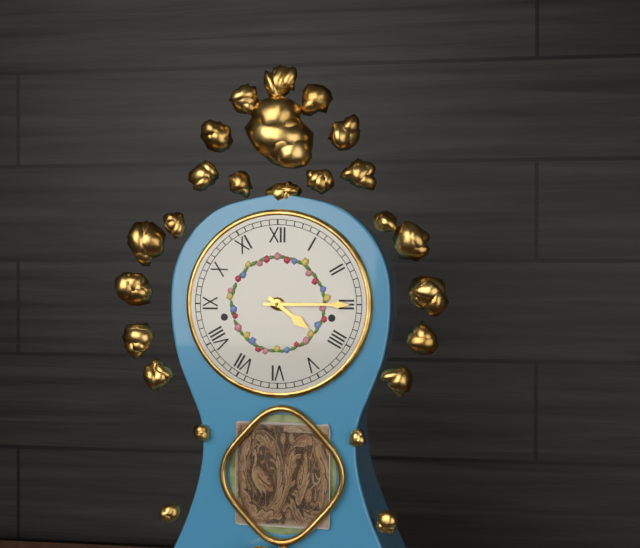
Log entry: 4h15
